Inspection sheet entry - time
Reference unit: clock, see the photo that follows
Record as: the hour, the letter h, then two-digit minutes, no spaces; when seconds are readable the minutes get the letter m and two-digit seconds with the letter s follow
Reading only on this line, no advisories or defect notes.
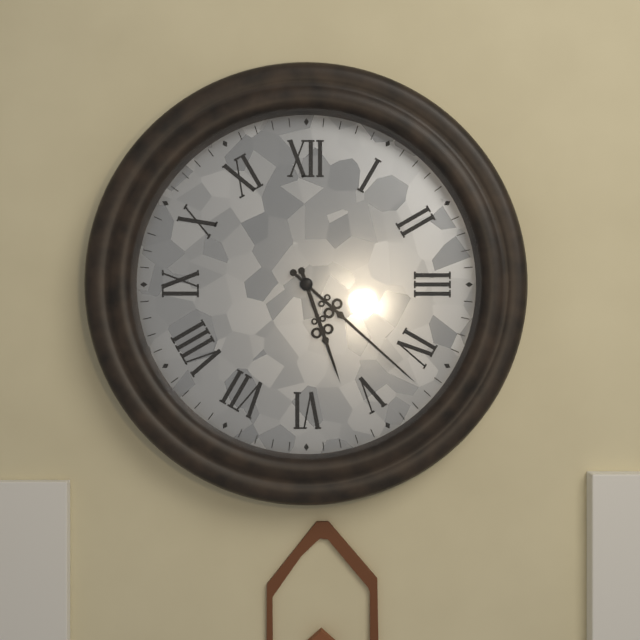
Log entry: 5h22
